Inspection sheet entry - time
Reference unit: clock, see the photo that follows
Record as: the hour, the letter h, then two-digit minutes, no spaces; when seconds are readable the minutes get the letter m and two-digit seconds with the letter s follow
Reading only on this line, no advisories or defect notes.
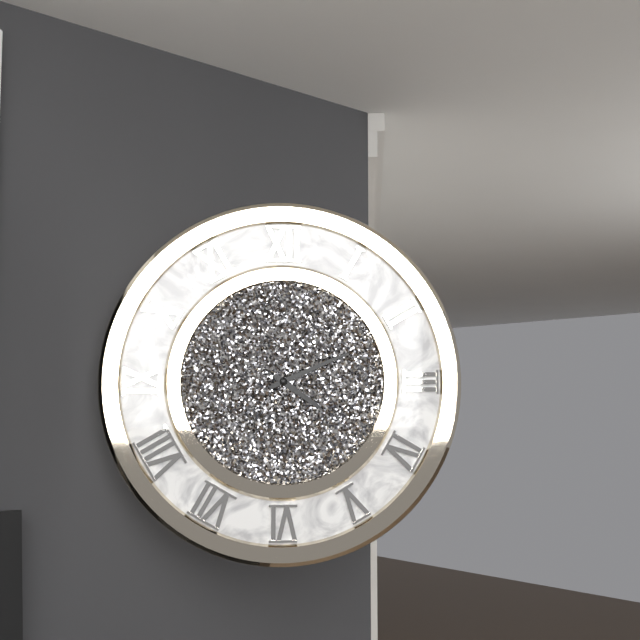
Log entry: 4h11
